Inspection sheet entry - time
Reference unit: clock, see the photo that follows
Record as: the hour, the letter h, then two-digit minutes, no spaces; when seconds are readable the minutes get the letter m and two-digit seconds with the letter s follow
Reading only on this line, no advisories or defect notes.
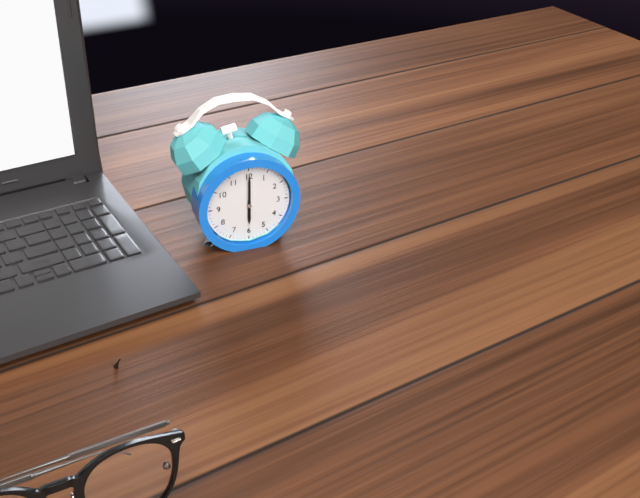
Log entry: 6h00
